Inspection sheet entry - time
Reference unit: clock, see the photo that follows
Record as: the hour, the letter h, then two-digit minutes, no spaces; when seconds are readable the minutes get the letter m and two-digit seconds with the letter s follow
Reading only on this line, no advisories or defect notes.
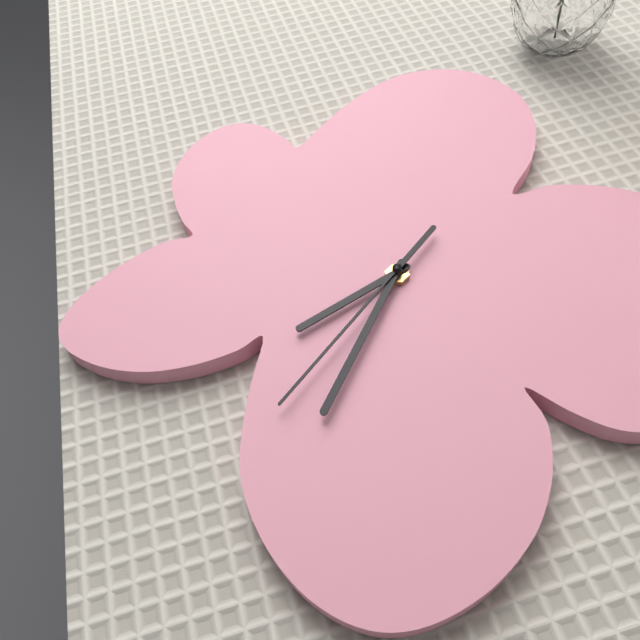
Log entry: 6h27m29s
